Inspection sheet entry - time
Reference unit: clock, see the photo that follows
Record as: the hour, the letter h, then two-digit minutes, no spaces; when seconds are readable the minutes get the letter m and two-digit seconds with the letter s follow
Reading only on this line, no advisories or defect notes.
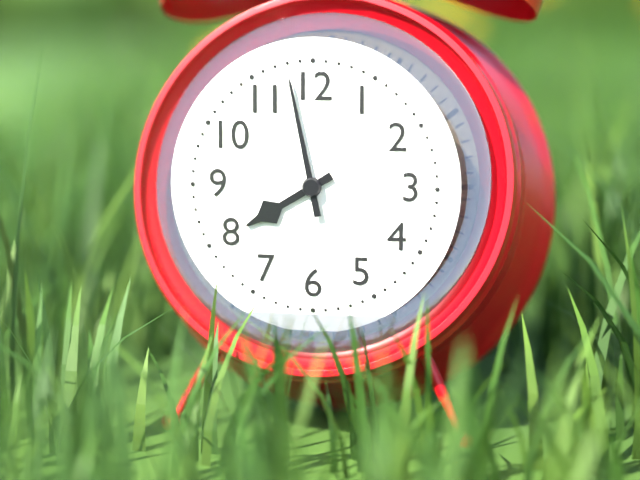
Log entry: 7h58
